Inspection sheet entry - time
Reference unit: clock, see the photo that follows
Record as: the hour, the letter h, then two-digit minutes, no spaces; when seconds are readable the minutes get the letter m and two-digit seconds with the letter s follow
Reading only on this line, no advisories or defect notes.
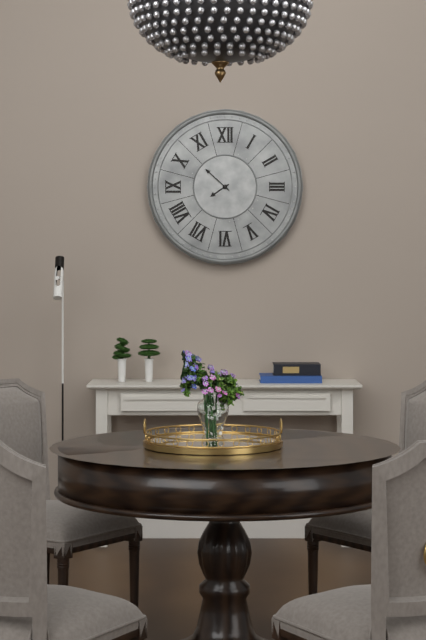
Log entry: 7h52
